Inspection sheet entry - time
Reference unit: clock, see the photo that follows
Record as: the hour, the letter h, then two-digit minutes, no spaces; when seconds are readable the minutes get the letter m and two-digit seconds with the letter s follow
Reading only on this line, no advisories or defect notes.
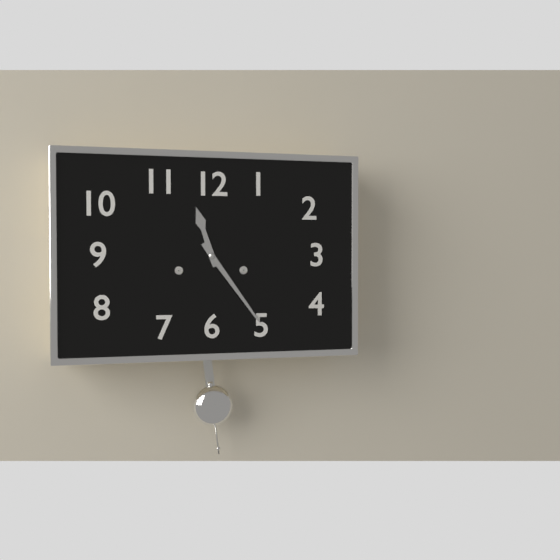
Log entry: 11h24
